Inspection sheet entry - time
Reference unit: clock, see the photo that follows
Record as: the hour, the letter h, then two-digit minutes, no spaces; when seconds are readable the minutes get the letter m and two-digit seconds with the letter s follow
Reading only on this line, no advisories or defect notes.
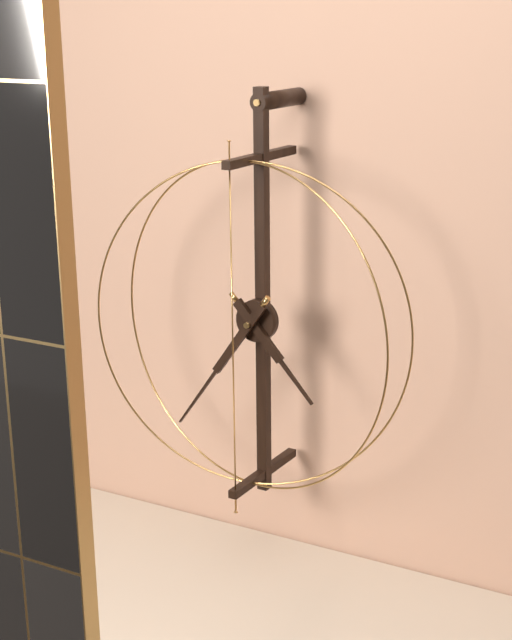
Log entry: 4h36
